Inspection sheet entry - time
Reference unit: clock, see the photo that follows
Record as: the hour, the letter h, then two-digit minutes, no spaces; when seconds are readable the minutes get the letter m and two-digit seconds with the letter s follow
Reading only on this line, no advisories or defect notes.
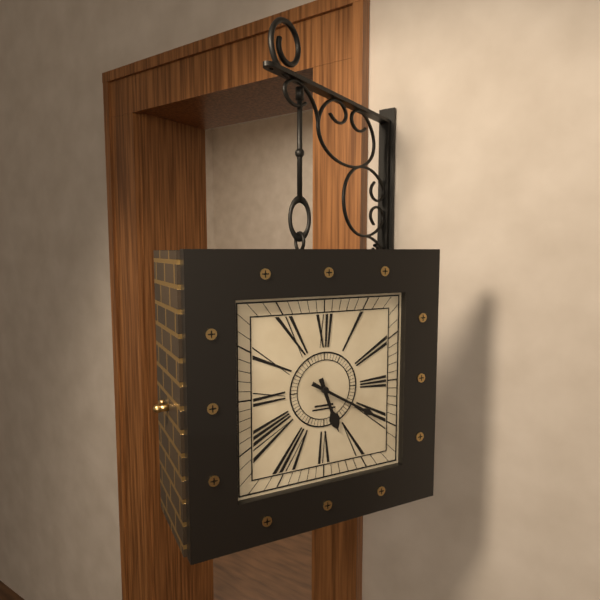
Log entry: 5h20
